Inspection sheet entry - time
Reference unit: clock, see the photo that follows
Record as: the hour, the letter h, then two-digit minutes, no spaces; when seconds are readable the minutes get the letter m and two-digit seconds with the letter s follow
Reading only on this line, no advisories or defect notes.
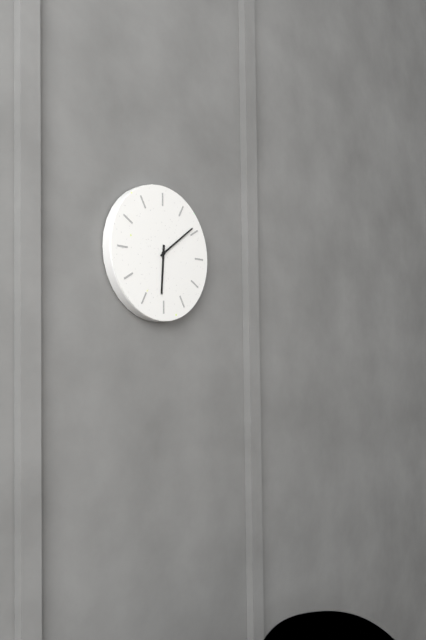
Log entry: 6h09
